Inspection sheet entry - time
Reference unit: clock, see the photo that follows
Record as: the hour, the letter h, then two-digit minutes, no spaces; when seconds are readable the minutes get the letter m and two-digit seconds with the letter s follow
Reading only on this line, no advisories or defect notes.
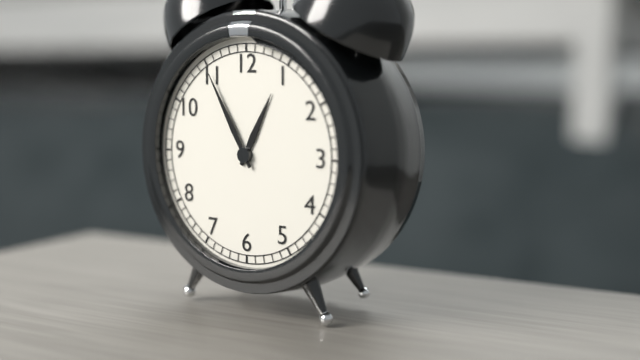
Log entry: 12h55
